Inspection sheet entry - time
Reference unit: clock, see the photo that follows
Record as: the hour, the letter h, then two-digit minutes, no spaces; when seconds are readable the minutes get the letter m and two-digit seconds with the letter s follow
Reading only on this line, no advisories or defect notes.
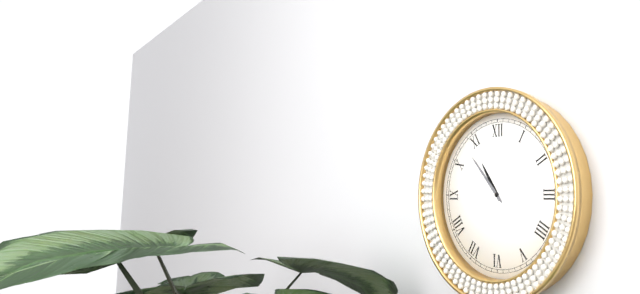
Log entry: 10h53
